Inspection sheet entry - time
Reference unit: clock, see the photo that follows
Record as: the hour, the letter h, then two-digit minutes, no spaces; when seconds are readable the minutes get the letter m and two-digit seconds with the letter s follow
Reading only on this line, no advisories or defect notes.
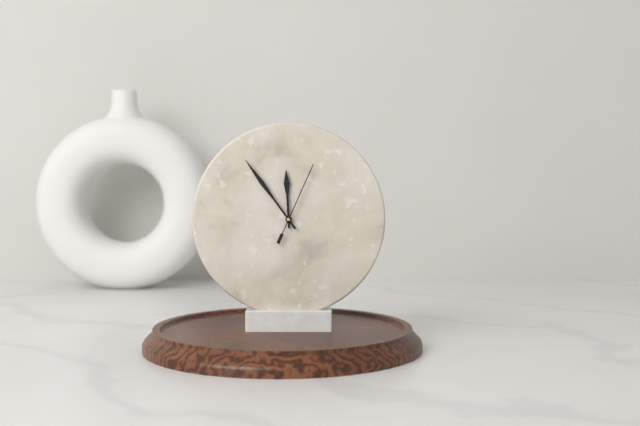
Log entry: 11h54m04s
